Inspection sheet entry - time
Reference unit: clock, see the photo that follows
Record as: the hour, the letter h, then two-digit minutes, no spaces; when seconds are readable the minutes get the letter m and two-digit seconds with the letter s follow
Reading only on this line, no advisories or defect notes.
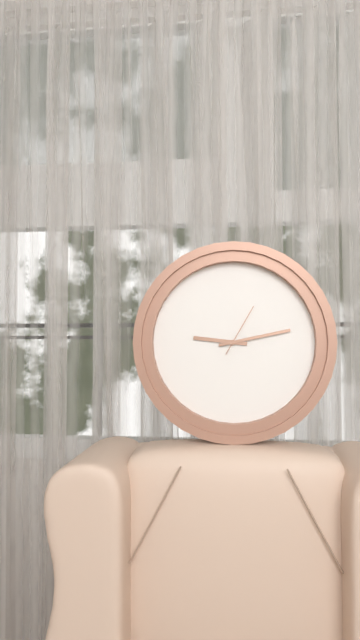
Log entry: 9h13m05s
